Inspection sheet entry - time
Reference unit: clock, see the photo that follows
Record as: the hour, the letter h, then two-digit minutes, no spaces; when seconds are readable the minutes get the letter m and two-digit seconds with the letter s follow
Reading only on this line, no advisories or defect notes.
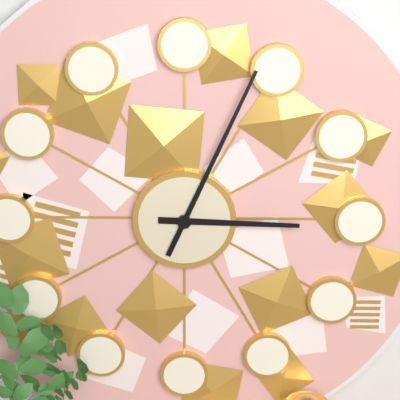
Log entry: 3h04
